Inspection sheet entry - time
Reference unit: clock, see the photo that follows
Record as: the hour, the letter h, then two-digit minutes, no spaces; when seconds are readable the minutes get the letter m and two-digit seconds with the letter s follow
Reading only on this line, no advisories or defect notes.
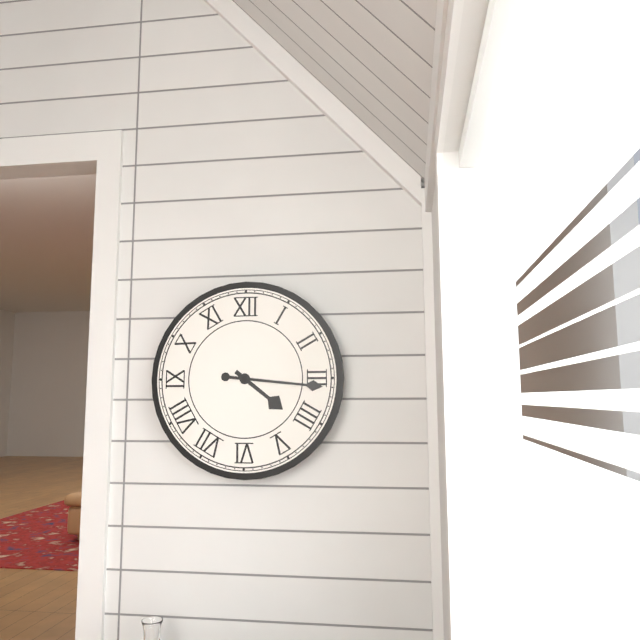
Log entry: 4h16
